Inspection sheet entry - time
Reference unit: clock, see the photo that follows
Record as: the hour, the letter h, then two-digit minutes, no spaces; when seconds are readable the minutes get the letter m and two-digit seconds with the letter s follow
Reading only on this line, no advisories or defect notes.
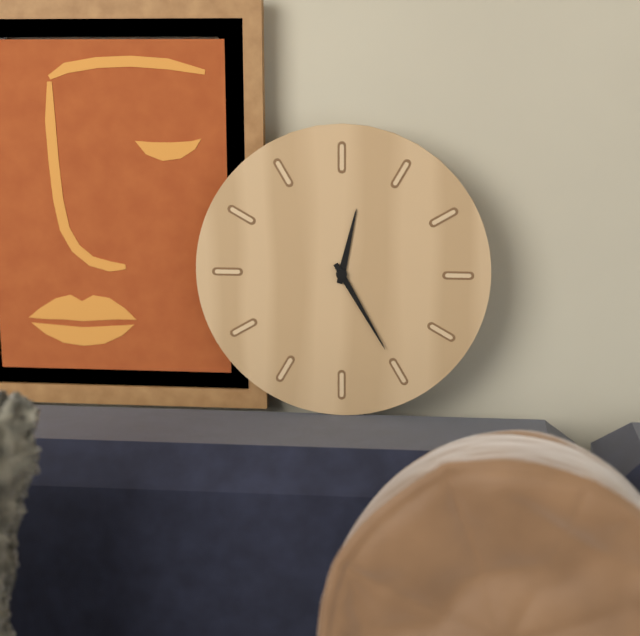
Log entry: 12h25
